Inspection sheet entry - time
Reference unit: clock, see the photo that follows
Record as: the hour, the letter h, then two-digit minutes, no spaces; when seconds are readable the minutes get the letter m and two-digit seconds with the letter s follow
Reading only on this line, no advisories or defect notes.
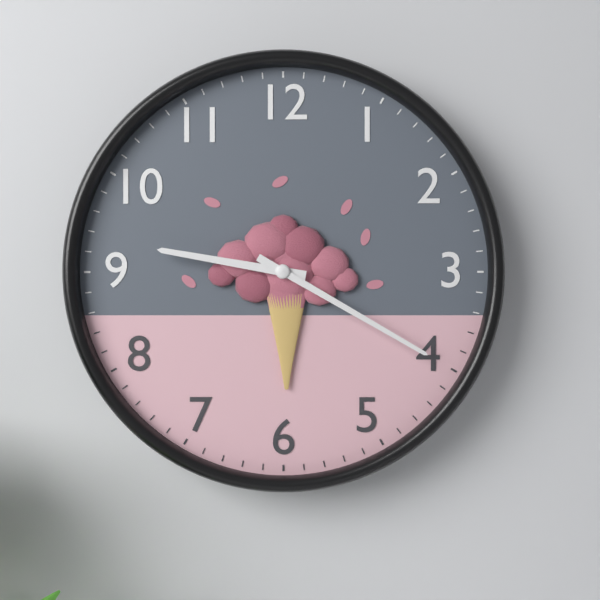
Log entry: 9h20
